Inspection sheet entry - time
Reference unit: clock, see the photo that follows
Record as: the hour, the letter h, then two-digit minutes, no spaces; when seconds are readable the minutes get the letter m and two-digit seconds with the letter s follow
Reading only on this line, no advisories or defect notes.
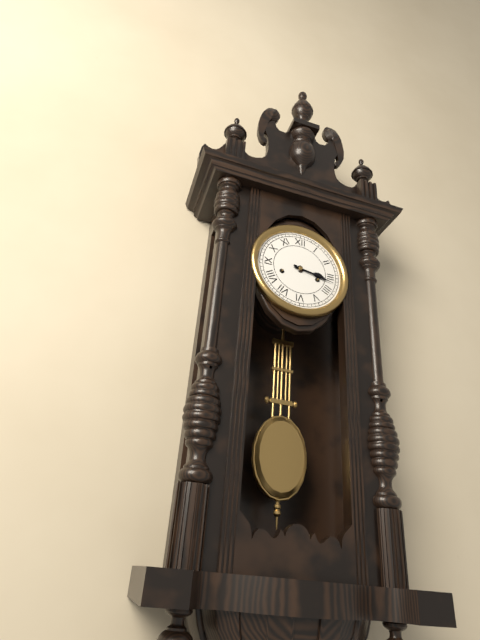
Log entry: 3h17
